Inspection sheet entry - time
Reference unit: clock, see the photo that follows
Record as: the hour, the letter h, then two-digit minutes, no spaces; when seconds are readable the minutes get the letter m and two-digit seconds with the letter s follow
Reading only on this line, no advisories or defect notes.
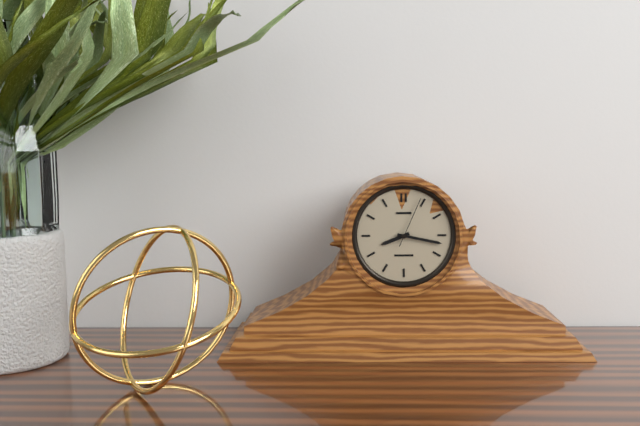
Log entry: 8h17m04s
